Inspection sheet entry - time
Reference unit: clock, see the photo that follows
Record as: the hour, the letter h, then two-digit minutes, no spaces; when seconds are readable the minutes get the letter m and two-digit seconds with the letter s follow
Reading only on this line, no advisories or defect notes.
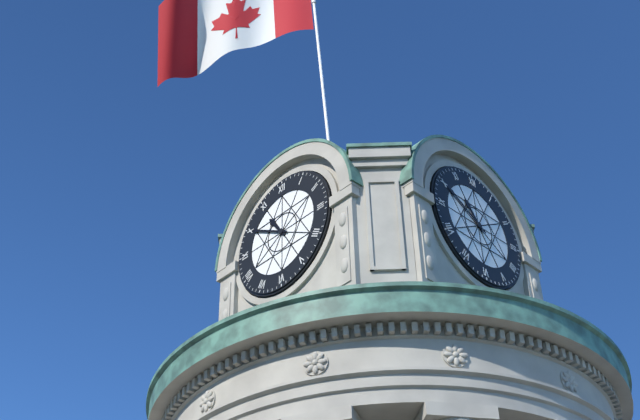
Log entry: 10h50
